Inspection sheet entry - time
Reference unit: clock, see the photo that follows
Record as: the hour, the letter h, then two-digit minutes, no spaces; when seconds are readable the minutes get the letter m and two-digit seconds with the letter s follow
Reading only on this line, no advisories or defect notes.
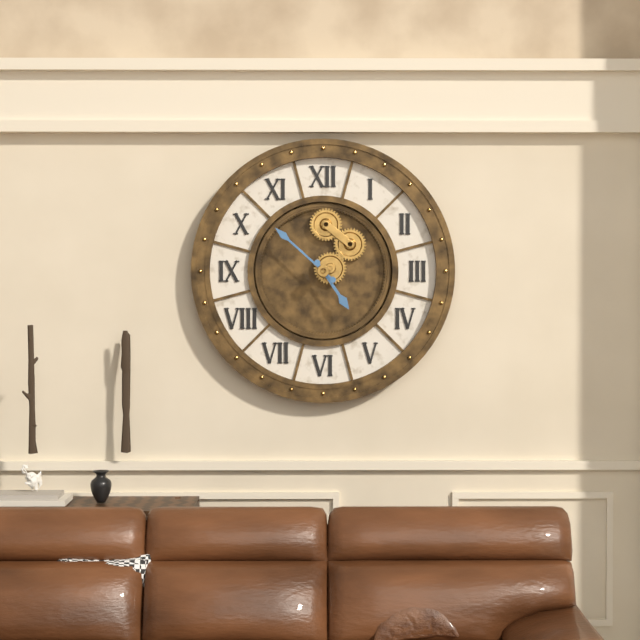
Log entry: 4h52
